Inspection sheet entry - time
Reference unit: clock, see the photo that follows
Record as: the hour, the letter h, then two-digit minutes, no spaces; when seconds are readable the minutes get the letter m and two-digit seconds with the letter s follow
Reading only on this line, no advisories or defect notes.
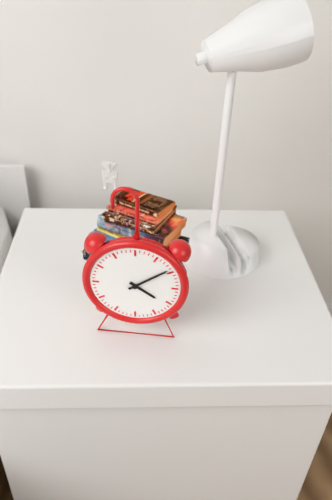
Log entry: 4h09
